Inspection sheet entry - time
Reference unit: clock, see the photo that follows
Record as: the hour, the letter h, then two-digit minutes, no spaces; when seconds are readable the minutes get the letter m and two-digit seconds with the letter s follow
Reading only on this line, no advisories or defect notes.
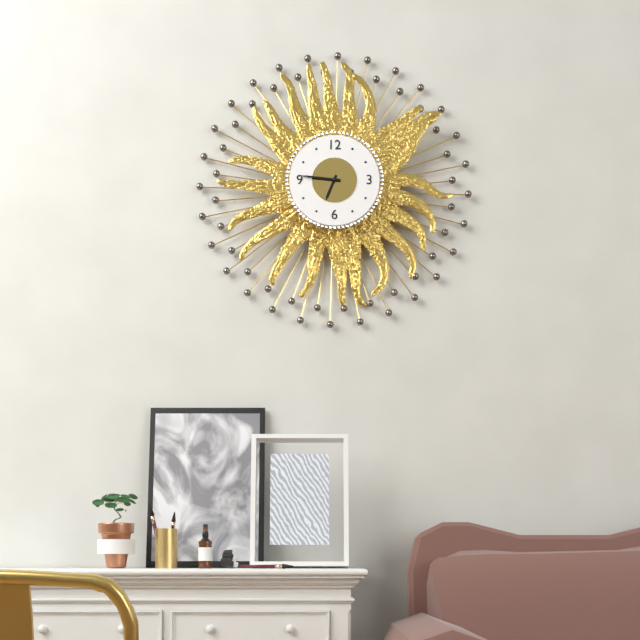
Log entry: 6h46
